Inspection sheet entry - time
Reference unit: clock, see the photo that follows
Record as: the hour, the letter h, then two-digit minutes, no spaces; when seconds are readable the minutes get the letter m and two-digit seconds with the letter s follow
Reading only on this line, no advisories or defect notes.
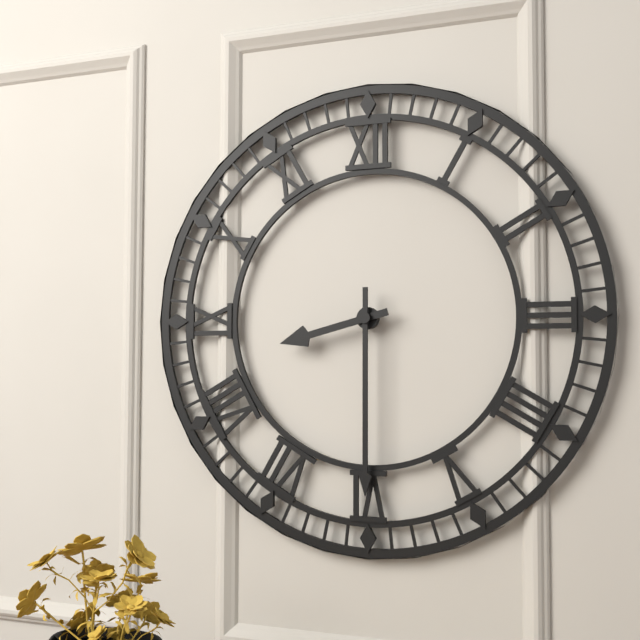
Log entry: 8h30
